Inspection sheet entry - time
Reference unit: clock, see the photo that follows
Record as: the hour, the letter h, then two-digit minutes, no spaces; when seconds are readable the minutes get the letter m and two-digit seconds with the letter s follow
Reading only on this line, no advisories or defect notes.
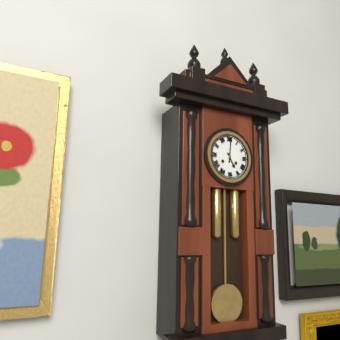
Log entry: 5h01
